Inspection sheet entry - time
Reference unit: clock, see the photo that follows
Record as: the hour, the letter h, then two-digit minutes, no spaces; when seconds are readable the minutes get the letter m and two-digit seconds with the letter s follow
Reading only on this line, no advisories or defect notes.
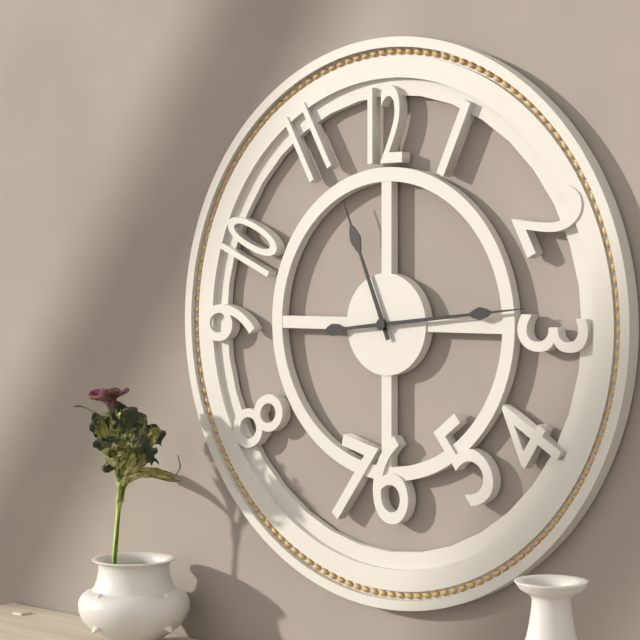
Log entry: 11h14
